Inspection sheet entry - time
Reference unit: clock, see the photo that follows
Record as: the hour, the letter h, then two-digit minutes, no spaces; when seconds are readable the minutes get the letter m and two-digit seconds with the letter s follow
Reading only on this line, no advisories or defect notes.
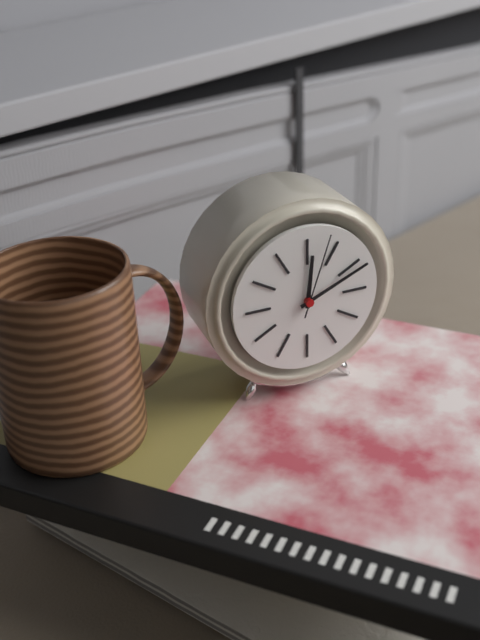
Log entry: 12h11m03s
